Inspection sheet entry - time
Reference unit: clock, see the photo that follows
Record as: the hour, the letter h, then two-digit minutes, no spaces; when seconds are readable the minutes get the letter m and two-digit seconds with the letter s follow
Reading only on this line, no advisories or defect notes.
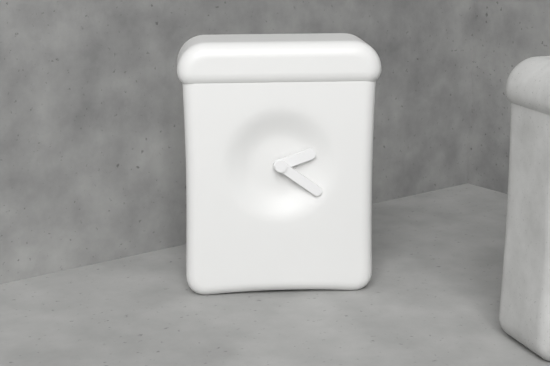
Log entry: 2h21
